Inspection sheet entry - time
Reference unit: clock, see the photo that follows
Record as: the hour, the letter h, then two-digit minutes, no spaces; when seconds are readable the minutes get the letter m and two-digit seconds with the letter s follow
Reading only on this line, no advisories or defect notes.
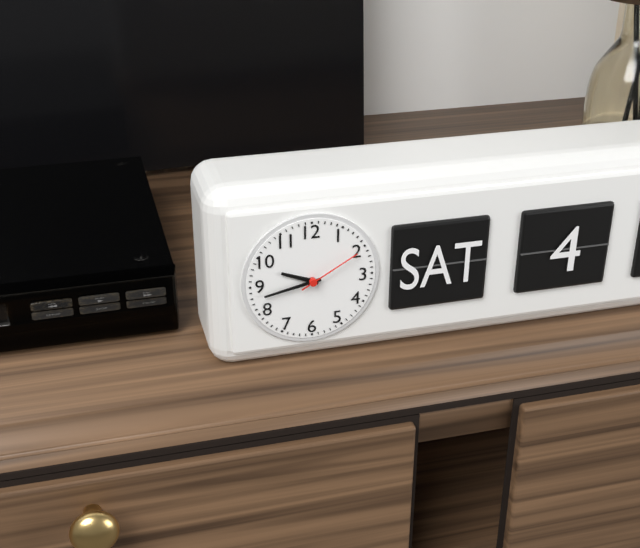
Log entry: 9h43m10s
